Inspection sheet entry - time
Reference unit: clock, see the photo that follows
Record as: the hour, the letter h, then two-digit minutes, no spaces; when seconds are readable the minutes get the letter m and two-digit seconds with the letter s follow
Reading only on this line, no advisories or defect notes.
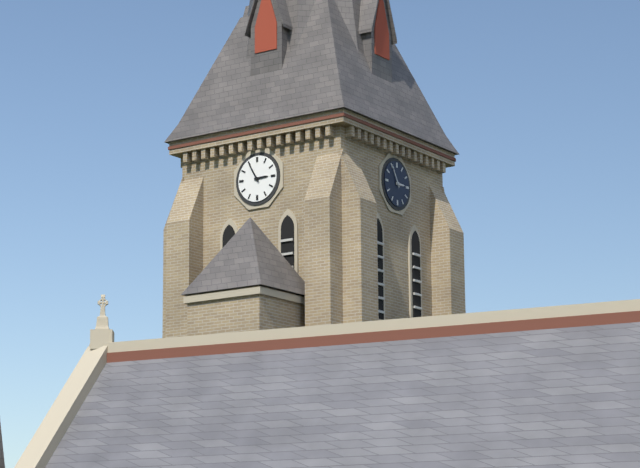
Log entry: 2h55
